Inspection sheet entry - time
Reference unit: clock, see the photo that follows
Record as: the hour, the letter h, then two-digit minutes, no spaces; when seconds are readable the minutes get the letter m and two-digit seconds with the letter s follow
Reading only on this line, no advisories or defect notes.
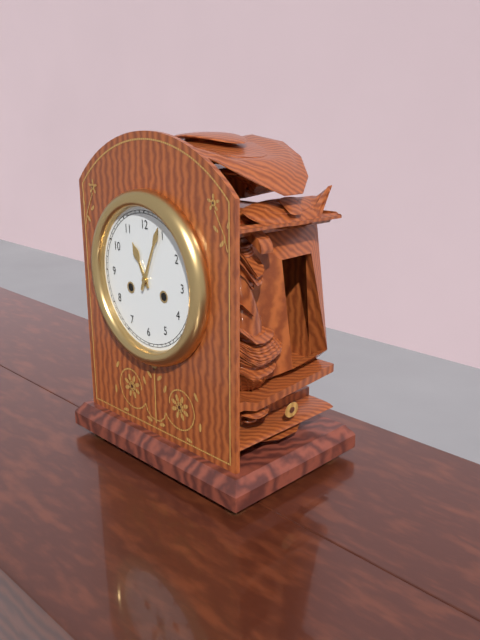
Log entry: 11h04
